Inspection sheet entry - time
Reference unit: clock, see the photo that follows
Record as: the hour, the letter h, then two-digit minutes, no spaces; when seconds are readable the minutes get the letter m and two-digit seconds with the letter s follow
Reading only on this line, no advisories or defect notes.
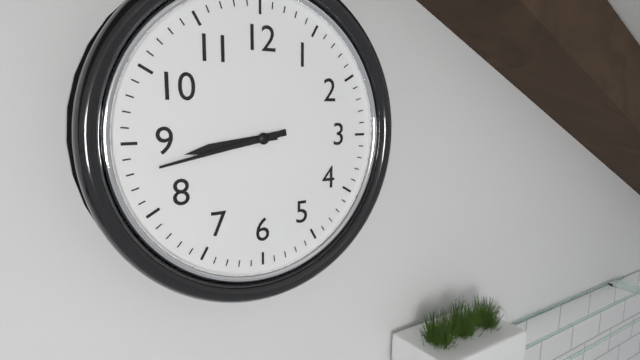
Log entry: 8h43
